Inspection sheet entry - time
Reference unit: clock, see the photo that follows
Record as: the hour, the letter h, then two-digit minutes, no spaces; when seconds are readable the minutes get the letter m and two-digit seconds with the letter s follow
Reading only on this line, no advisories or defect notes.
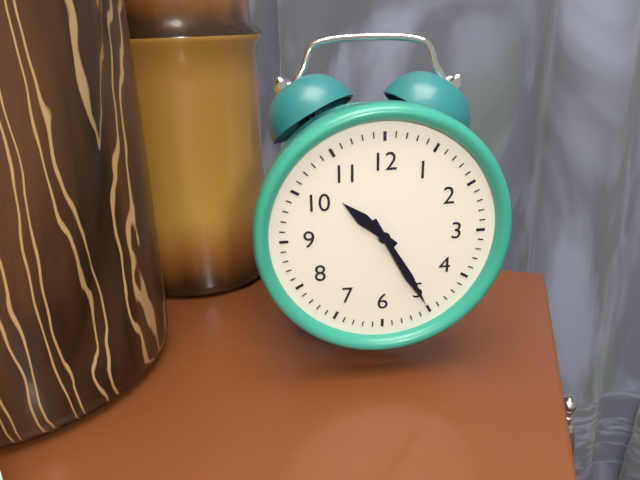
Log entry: 10h25
